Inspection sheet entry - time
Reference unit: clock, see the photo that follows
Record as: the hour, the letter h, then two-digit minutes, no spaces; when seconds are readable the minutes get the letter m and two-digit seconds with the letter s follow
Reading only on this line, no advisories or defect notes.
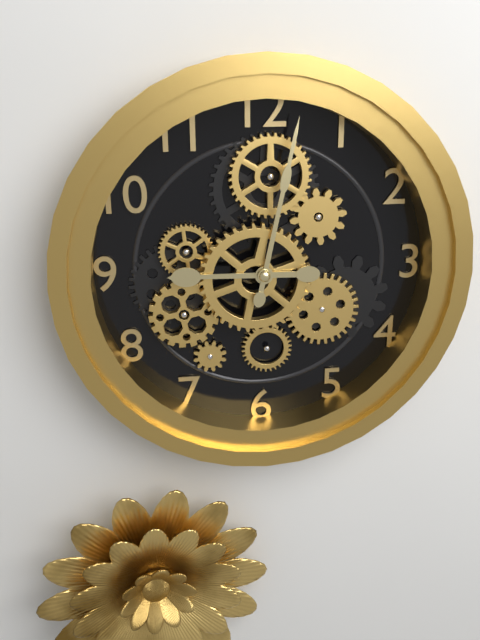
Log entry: 9h02
